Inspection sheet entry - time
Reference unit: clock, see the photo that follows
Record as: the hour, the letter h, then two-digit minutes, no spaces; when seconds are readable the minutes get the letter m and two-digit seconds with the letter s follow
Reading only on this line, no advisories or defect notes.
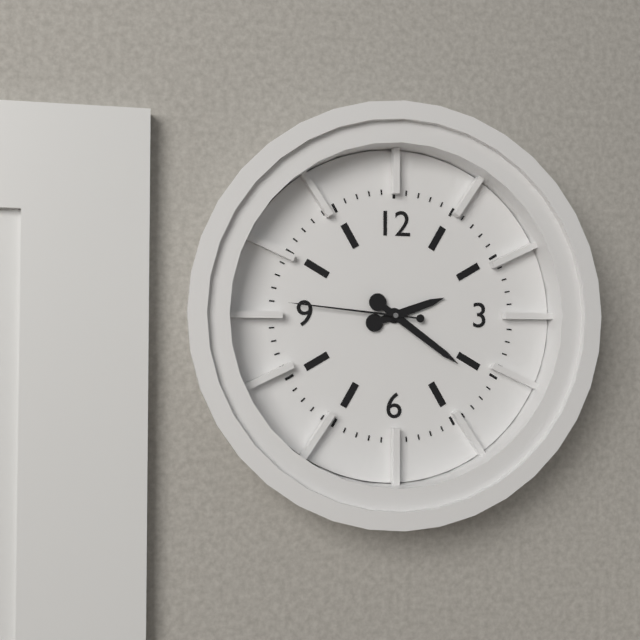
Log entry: 2h21m46s
